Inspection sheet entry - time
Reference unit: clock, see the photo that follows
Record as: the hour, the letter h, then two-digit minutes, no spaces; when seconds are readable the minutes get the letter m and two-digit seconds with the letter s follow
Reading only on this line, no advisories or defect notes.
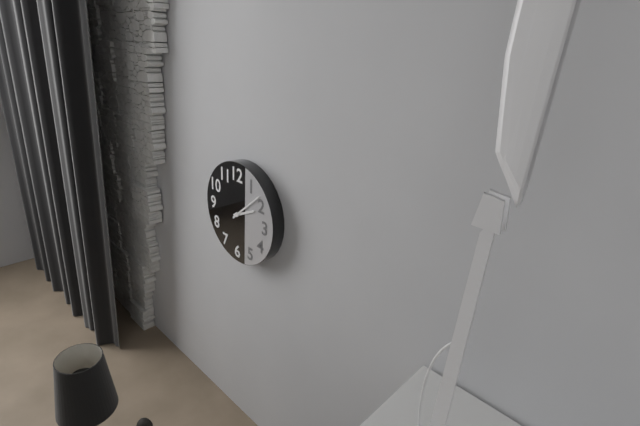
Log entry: 2h08
